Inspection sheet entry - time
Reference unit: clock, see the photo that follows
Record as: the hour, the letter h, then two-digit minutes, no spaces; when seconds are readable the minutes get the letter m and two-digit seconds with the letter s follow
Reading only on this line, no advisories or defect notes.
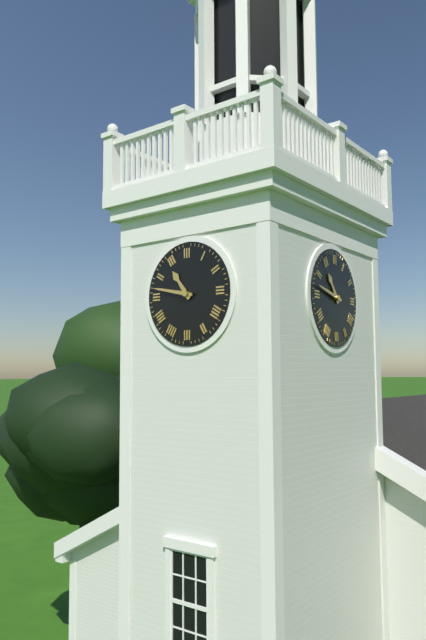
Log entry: 10h47
